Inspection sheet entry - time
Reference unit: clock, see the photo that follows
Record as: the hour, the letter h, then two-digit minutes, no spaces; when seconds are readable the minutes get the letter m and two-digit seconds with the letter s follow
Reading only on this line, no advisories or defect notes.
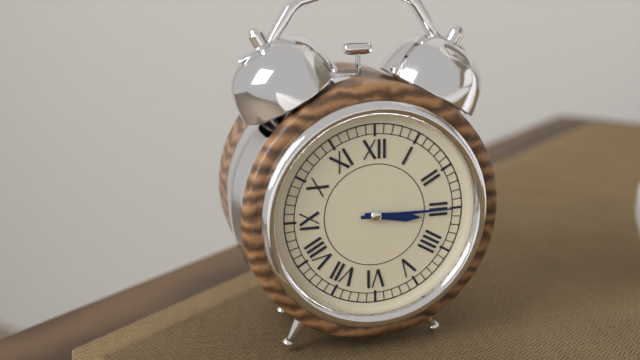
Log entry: 3h15
